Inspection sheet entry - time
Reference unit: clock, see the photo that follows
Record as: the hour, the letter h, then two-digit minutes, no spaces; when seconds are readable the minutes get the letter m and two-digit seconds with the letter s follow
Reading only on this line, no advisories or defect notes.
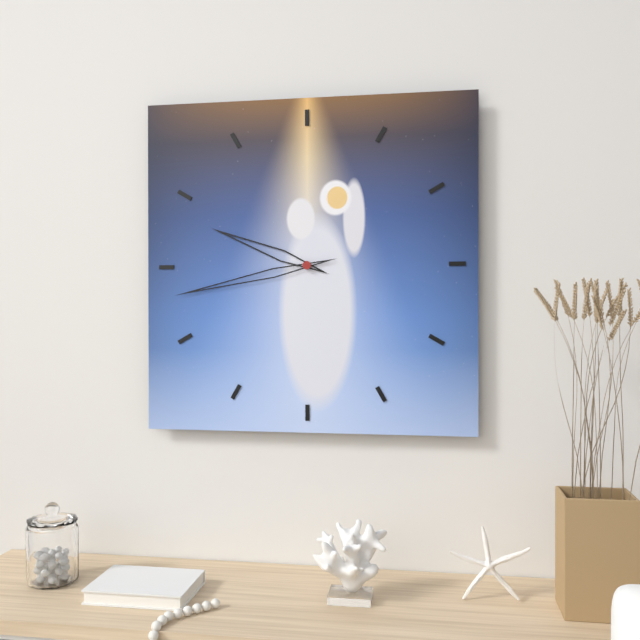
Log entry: 9h43
